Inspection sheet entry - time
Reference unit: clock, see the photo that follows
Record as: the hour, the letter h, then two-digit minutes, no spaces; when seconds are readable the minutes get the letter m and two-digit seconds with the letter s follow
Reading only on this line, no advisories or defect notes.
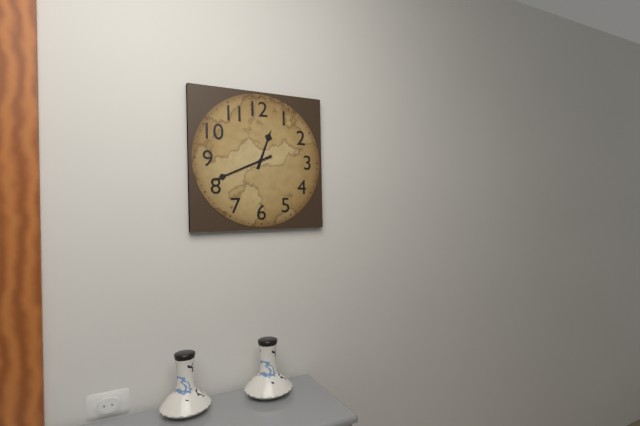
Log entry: 12h41
